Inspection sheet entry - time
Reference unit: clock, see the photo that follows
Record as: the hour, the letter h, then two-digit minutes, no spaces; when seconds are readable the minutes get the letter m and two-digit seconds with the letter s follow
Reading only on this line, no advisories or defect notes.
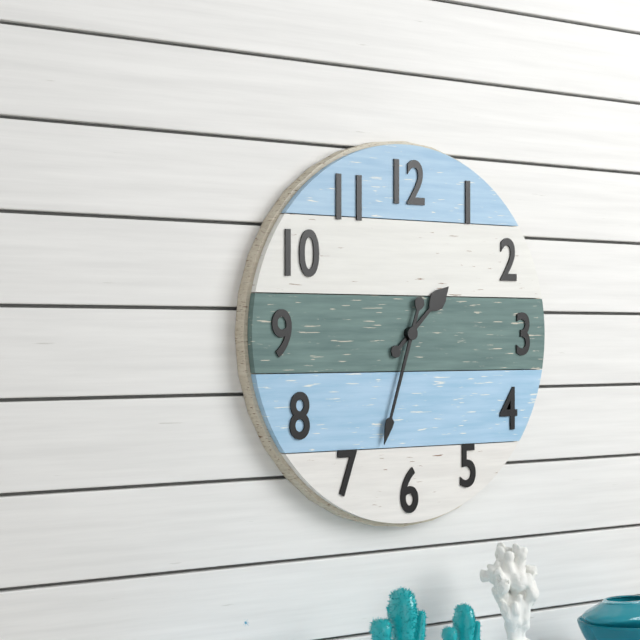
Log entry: 1h33
